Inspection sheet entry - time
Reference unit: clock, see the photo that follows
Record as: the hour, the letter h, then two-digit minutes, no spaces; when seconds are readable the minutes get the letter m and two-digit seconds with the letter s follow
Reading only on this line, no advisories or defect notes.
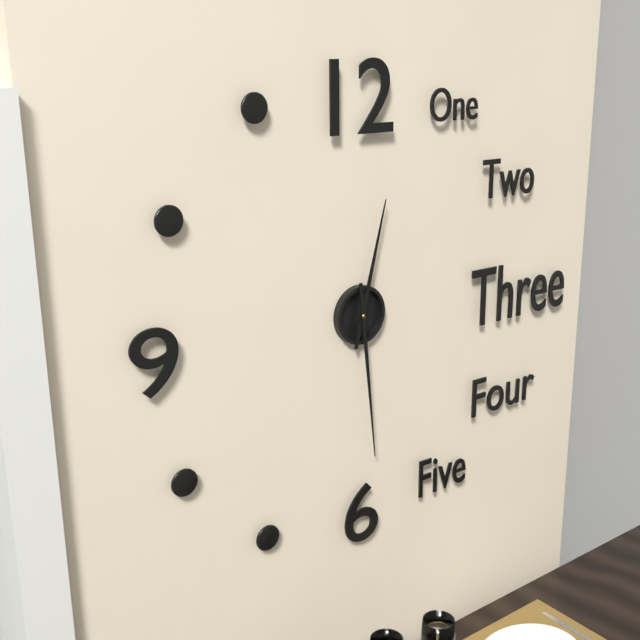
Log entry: 12h29
